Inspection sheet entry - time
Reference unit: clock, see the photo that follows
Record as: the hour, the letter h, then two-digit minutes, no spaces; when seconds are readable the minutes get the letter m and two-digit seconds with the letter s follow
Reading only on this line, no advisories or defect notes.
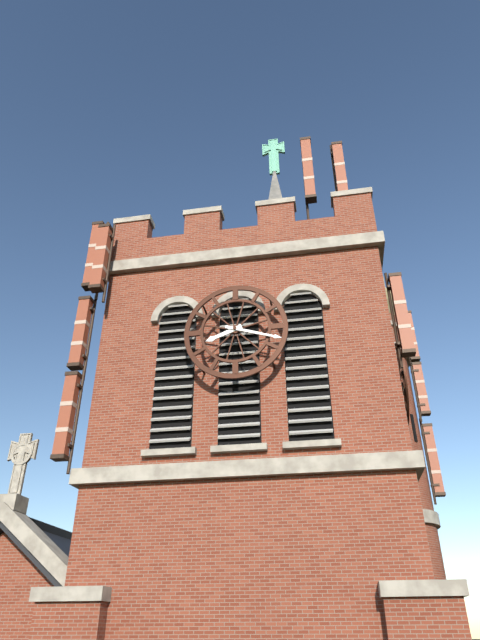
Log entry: 8h18
